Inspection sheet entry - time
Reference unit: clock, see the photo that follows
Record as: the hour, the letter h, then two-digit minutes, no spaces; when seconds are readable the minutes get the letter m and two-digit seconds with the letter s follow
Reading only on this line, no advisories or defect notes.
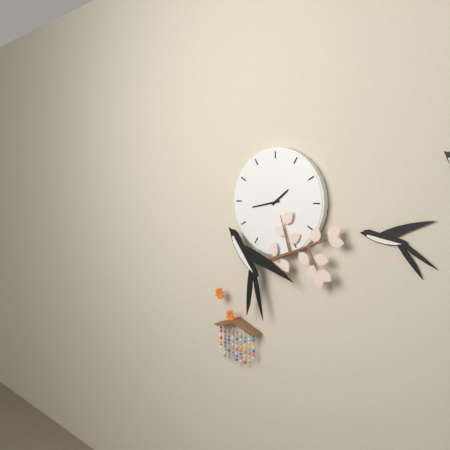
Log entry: 1h43
